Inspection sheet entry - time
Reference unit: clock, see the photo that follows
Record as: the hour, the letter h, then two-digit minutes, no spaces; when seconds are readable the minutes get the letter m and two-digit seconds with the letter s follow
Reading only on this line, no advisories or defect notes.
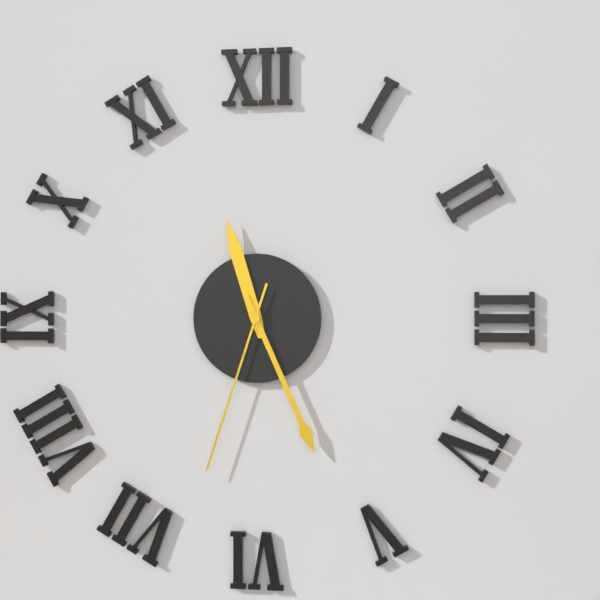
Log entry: 11h26m33s
